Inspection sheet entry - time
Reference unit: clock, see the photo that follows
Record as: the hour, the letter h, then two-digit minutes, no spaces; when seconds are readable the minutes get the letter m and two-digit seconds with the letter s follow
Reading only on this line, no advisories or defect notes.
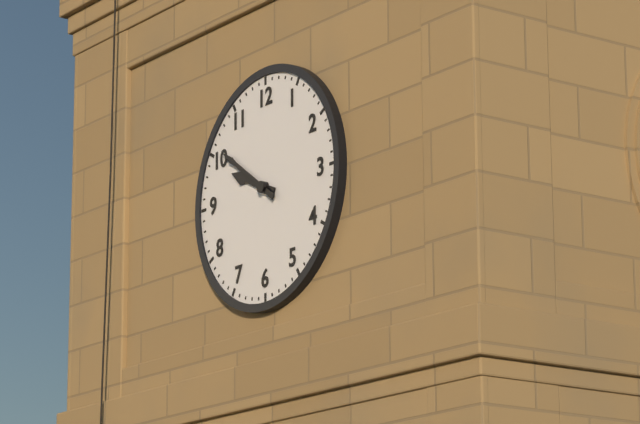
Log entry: 9h51
